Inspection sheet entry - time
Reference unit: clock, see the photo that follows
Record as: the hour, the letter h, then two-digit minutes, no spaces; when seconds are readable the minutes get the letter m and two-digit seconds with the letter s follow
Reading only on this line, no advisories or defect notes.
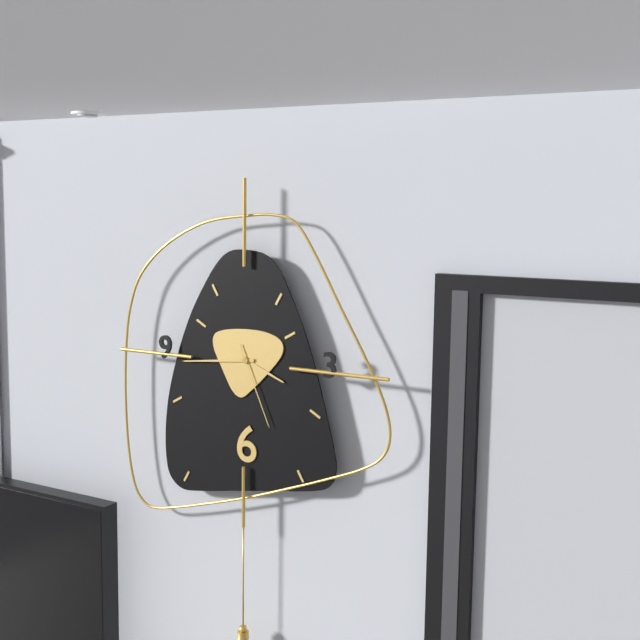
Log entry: 3h44m26s
